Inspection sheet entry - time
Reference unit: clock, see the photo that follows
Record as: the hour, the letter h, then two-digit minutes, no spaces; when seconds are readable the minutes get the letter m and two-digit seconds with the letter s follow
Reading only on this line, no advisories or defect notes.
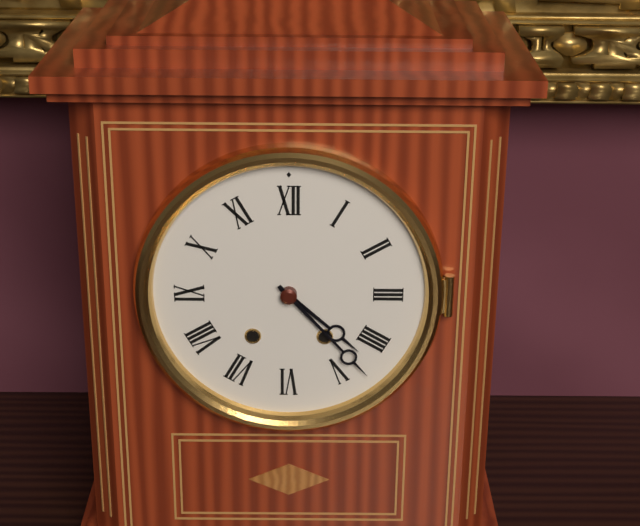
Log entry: 4h23
